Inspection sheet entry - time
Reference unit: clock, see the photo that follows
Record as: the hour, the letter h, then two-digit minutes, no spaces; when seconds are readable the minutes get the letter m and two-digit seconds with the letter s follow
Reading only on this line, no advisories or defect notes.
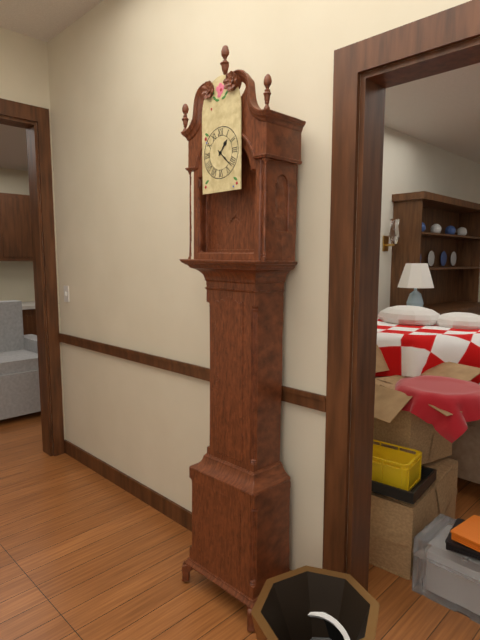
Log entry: 1h22
